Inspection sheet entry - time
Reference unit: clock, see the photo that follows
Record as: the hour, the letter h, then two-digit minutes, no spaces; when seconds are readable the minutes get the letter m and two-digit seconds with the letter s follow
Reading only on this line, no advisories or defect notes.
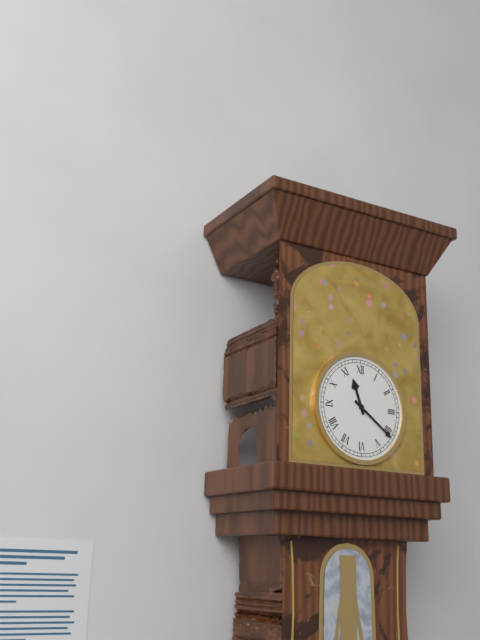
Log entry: 11h21
